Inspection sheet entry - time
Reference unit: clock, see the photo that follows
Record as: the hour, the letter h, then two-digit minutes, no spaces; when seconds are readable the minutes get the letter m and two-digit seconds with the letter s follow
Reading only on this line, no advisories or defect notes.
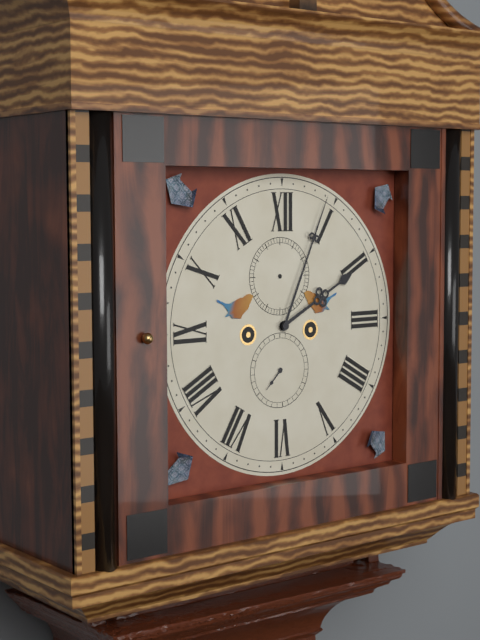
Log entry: 2h04
